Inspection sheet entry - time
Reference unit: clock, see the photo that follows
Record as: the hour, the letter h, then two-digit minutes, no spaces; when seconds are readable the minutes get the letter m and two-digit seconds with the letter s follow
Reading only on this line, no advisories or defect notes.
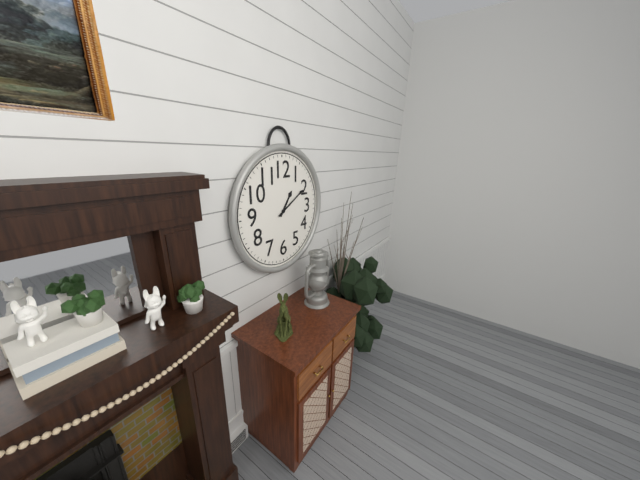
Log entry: 1h10
